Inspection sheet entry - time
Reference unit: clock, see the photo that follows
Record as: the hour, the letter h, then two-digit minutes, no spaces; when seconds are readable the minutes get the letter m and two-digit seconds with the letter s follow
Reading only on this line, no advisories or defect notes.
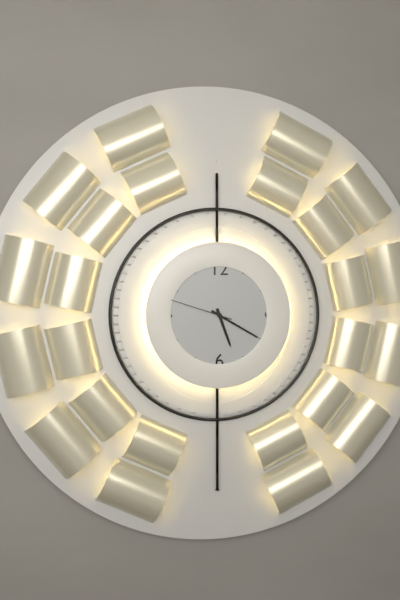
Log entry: 5h20m48s
